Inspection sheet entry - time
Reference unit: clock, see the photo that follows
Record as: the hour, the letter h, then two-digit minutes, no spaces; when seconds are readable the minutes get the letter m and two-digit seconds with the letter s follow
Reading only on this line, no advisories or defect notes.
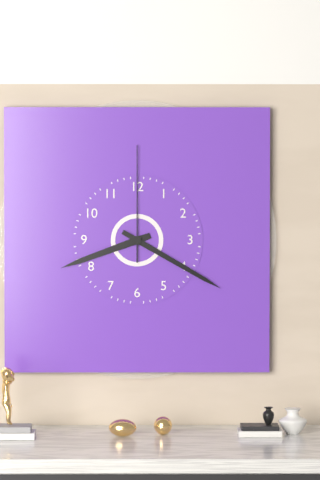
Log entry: 8h20m00s
